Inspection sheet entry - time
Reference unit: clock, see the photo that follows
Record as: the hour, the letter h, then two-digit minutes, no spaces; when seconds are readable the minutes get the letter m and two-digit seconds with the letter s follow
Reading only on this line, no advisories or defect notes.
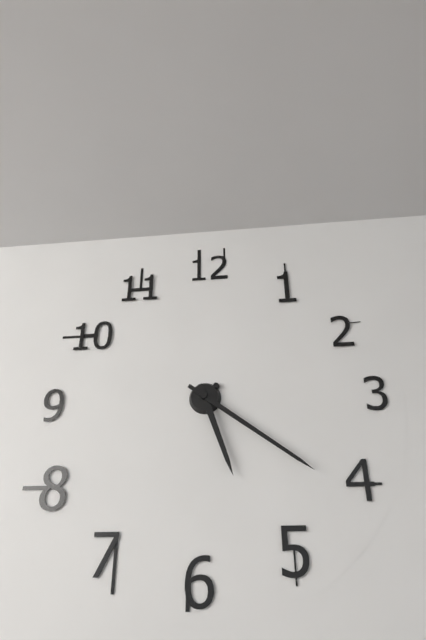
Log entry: 5h21
